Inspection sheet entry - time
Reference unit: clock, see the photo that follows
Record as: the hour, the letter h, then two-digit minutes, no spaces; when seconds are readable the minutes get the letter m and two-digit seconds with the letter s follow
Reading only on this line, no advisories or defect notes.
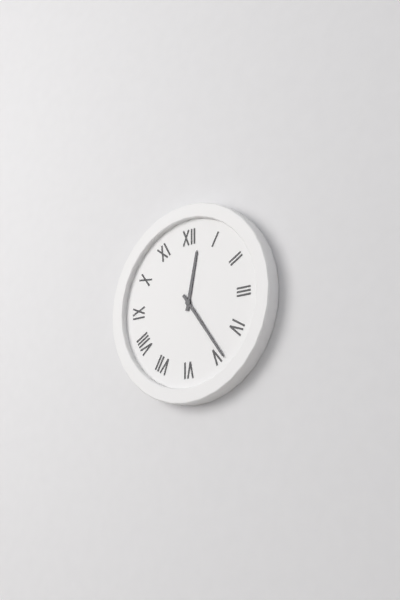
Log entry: 12h24
